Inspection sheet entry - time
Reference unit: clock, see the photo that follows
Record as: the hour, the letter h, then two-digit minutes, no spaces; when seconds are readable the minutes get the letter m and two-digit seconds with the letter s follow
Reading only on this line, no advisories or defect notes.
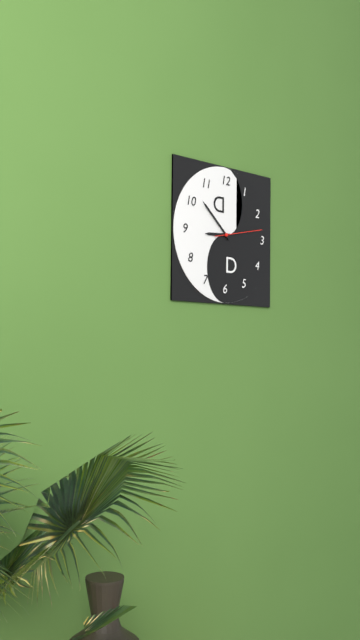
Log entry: 8h52
